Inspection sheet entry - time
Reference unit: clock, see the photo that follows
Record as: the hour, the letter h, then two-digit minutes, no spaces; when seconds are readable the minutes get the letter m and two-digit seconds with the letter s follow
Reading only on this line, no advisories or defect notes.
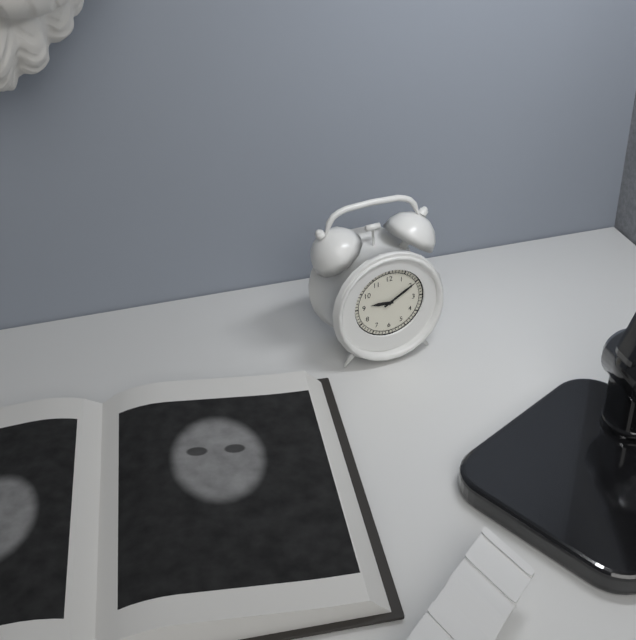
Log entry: 9h10
